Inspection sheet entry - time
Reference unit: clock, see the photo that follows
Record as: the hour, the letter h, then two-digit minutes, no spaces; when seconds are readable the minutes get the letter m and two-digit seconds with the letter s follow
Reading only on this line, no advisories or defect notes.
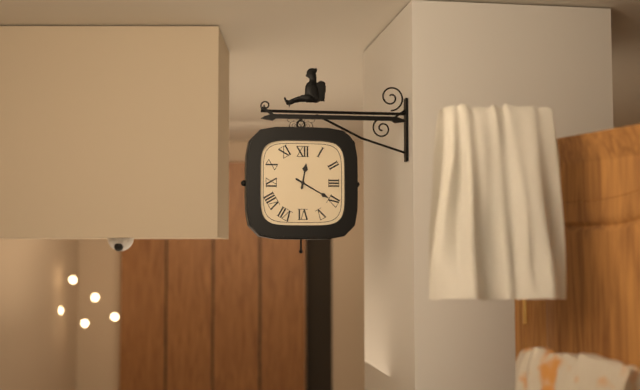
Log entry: 12h20
